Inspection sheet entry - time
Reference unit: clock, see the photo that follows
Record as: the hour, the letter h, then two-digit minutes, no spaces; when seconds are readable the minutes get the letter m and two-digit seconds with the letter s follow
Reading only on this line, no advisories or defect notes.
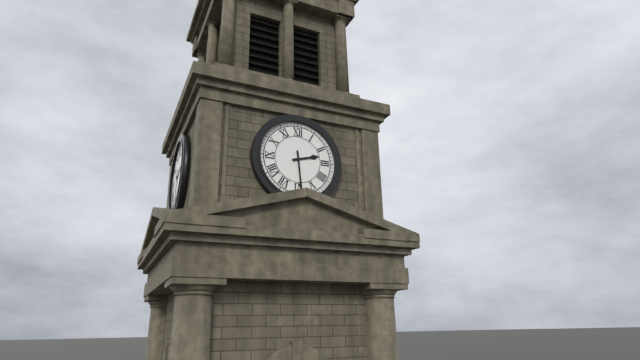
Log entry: 2h29
